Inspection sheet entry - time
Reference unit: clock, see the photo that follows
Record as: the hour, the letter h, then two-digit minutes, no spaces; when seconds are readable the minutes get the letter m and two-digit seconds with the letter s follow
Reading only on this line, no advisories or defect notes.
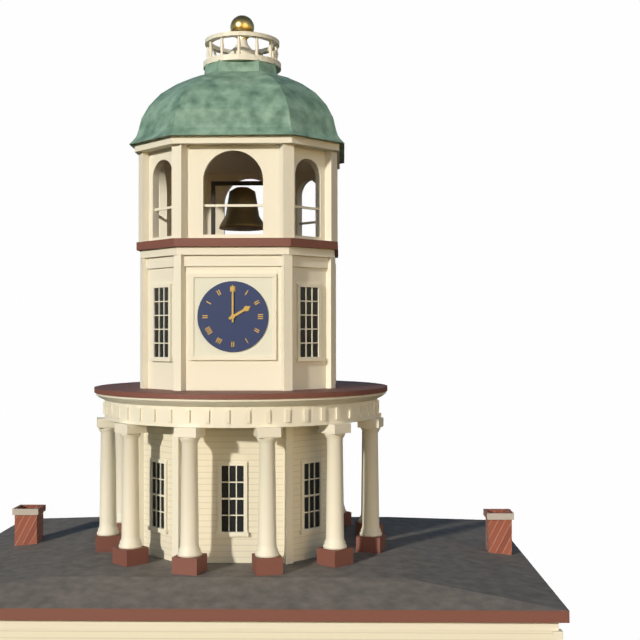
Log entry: 2h00
